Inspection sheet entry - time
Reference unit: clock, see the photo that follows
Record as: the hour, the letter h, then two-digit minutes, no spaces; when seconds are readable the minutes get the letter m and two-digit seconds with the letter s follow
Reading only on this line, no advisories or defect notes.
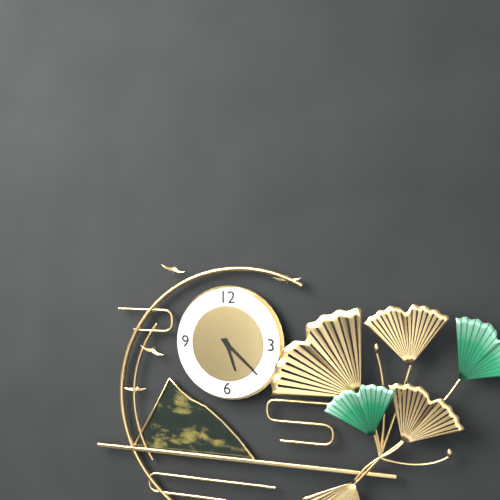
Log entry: 5h22
